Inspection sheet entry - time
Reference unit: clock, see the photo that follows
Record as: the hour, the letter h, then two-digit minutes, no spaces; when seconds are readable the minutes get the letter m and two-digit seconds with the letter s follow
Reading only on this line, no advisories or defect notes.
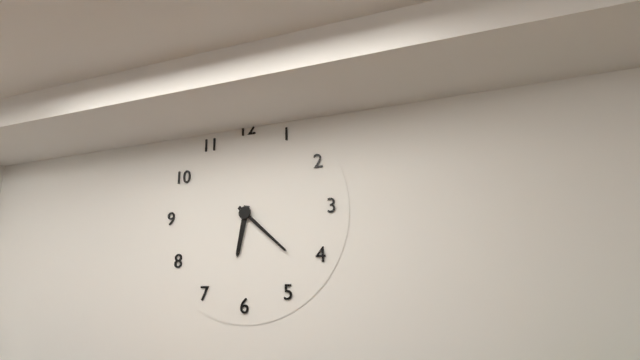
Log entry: 6h22
